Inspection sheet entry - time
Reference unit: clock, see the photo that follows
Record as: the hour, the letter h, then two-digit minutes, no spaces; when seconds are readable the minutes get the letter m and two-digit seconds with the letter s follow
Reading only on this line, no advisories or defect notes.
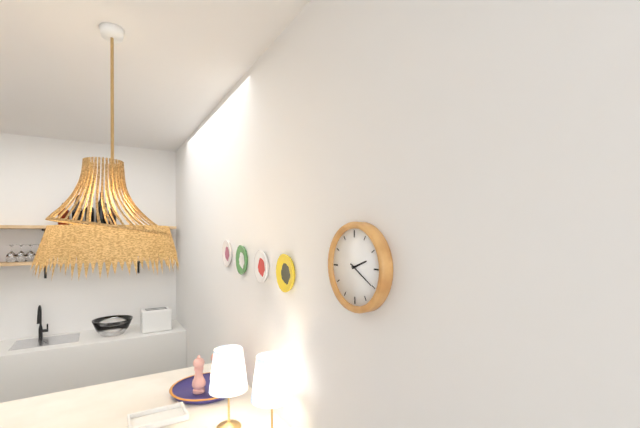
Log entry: 2h20
